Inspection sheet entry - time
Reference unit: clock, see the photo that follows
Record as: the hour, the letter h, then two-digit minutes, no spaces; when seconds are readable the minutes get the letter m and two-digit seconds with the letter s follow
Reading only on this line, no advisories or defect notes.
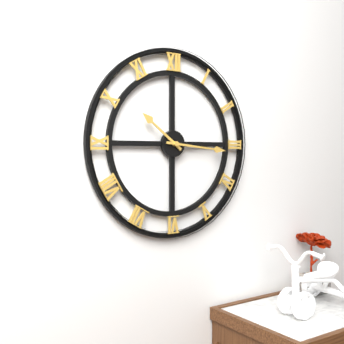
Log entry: 10h16
